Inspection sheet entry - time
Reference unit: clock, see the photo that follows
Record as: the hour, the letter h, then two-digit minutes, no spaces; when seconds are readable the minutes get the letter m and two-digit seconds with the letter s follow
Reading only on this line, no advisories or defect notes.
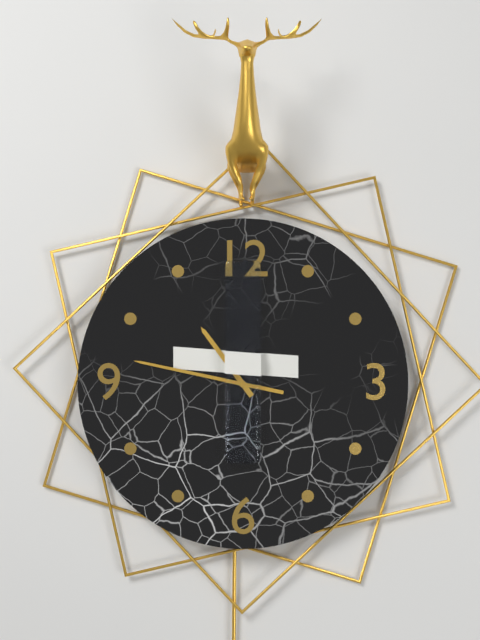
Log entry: 10h47
